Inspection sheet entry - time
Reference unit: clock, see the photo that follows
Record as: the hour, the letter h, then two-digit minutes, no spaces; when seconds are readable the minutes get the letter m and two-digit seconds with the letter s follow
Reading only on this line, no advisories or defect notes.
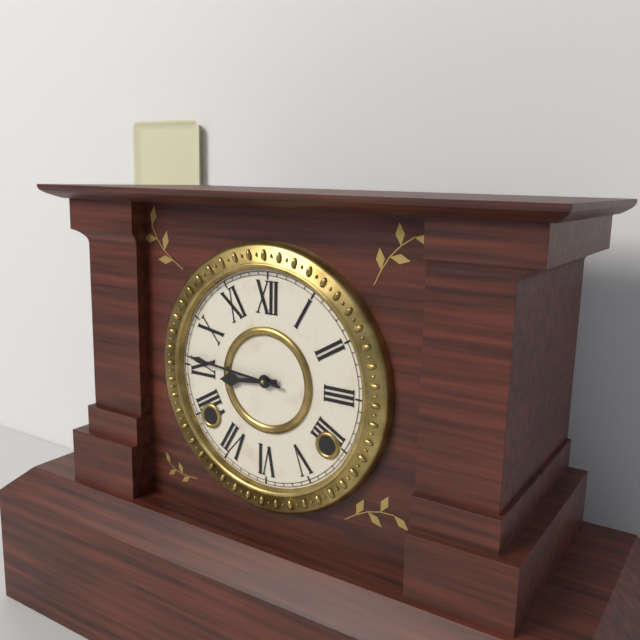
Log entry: 8h46
